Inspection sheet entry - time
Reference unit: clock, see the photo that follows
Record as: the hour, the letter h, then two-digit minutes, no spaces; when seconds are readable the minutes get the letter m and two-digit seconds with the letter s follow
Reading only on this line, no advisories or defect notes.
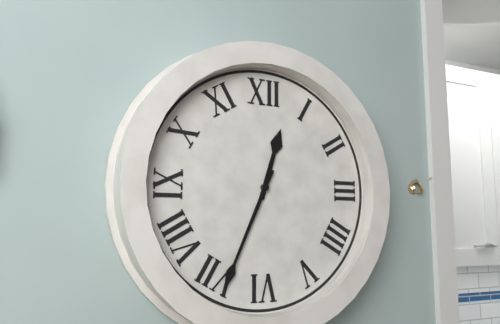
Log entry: 12h34
